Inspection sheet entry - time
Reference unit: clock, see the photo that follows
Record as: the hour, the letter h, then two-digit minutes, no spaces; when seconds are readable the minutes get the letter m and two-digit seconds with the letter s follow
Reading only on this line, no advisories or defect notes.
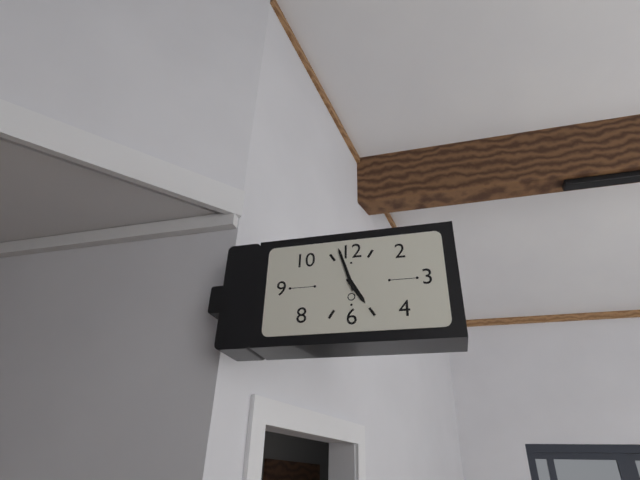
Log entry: 4h57
